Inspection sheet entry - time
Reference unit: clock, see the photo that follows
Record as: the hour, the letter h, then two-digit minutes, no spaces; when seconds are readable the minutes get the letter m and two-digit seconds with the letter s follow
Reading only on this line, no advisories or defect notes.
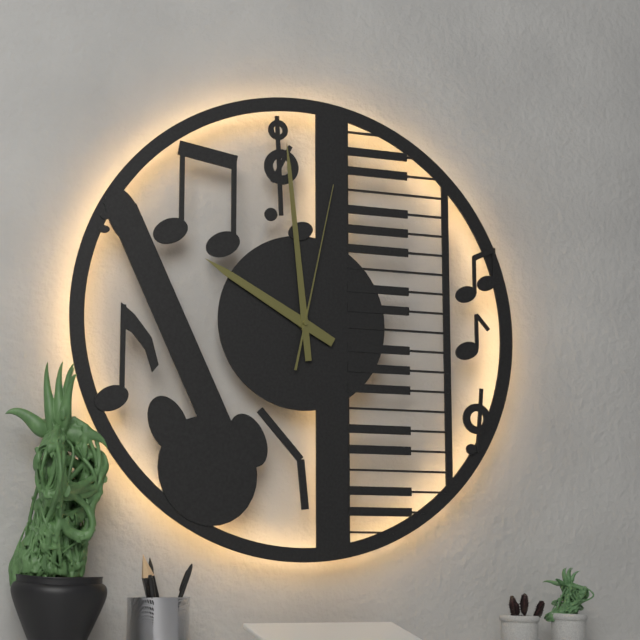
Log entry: 9h59m02s
